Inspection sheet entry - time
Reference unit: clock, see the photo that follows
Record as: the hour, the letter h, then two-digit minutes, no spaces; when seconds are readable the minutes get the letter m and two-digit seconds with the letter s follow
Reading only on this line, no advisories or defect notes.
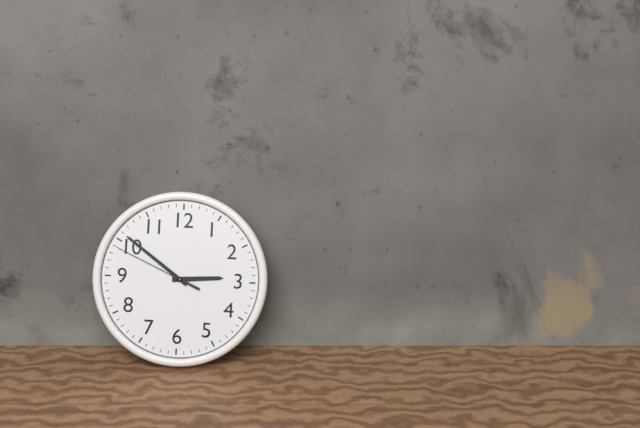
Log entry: 2h51m49s
